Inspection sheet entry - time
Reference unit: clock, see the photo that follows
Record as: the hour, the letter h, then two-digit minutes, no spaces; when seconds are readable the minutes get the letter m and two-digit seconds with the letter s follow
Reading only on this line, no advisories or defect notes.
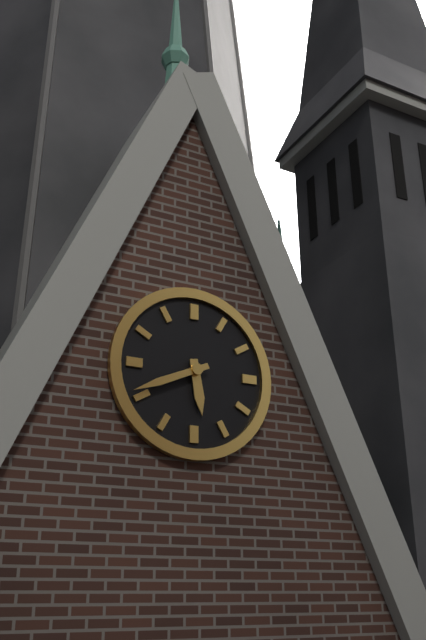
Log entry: 5h41
